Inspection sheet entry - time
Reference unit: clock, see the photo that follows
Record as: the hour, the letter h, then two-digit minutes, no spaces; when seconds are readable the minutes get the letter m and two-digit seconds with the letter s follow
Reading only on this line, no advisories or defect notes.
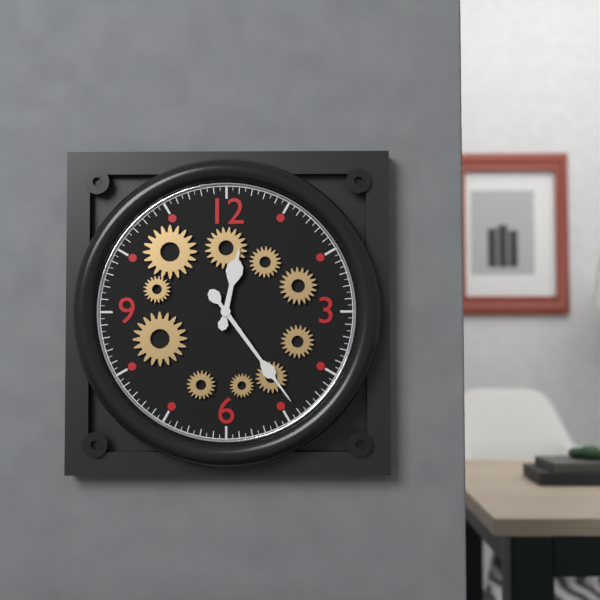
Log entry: 12h24
